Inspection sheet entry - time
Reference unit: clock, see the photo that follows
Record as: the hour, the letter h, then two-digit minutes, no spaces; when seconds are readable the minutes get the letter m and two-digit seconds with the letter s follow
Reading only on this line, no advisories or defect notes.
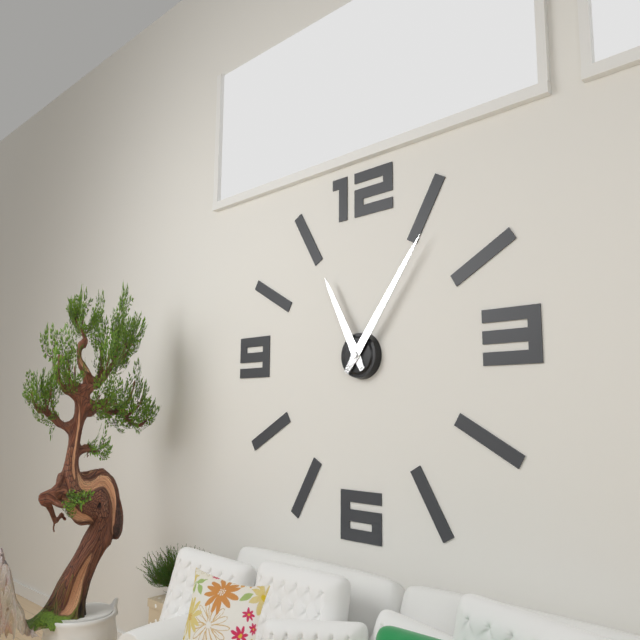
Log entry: 11h06
